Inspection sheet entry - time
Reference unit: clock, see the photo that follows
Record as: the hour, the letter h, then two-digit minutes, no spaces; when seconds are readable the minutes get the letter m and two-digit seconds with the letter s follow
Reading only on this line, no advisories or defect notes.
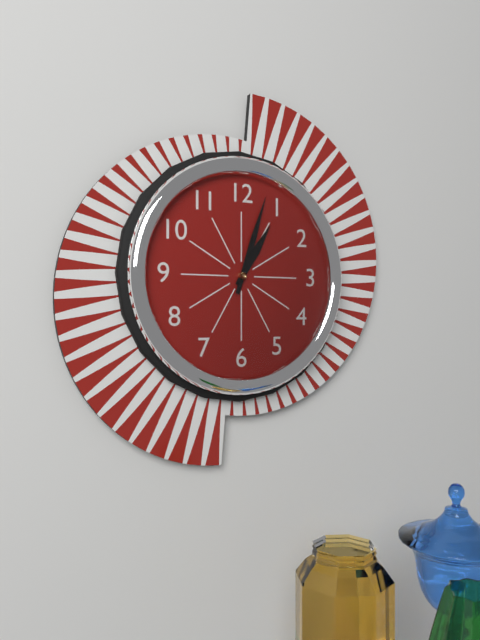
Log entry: 1h03
